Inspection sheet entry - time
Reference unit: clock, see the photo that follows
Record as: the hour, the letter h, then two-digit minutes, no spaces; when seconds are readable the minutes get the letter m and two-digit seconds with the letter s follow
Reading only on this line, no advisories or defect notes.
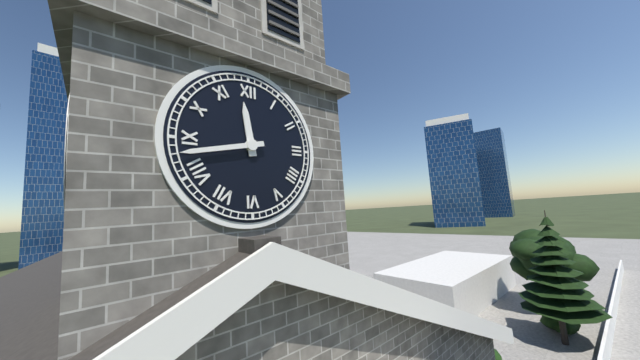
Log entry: 11h43
